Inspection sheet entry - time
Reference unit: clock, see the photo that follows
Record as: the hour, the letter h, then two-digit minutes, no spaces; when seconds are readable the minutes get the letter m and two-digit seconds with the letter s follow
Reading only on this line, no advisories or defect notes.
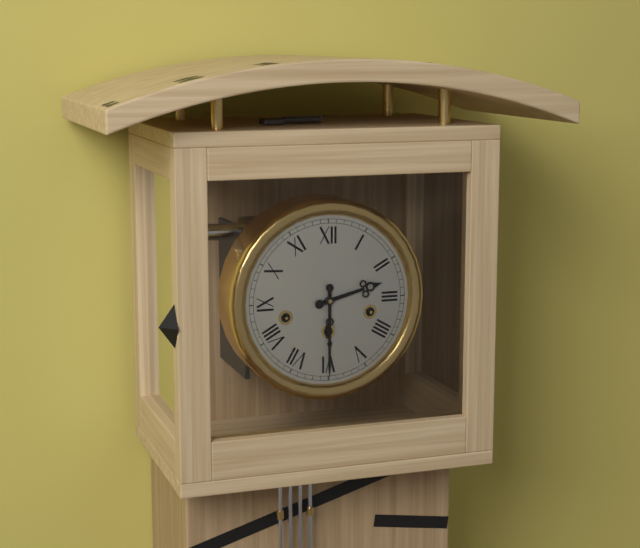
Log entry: 2h30
